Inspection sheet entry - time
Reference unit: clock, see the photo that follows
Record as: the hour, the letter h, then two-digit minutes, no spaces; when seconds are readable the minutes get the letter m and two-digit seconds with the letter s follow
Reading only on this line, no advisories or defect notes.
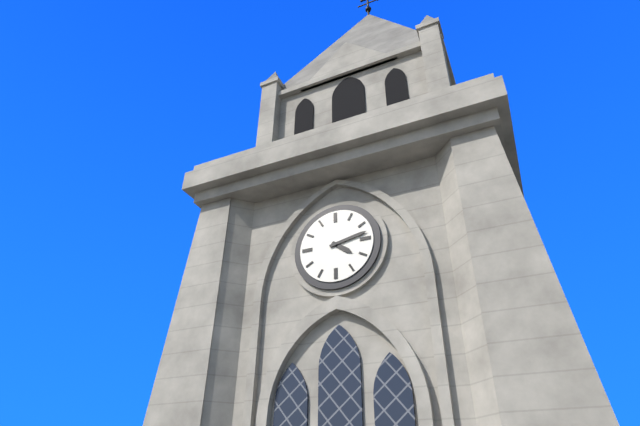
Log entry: 4h13
